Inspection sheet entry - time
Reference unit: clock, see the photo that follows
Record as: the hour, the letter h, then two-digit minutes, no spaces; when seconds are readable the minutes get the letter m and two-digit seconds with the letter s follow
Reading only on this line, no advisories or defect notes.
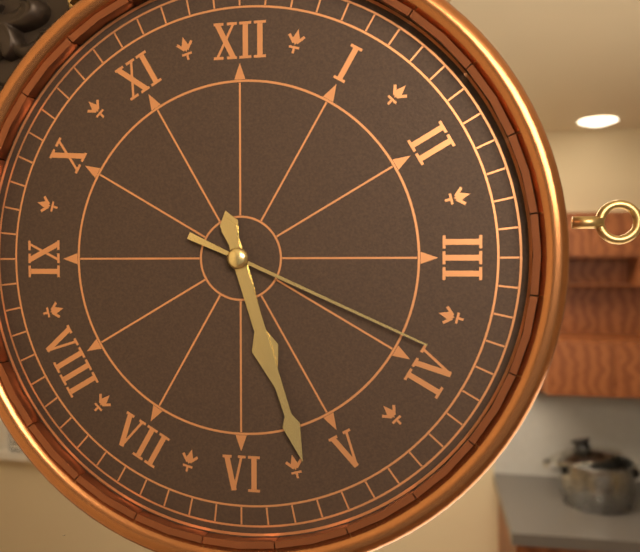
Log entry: 5h27m19s
